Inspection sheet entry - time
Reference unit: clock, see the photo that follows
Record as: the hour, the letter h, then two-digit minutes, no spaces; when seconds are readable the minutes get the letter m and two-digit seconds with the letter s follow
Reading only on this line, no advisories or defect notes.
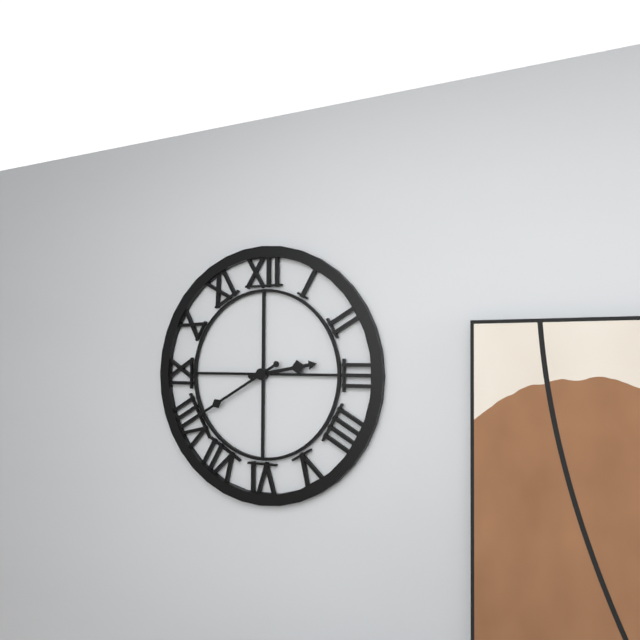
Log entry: 2h40
